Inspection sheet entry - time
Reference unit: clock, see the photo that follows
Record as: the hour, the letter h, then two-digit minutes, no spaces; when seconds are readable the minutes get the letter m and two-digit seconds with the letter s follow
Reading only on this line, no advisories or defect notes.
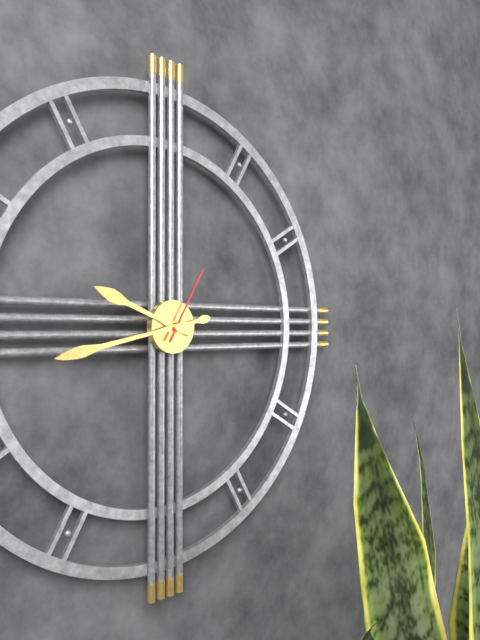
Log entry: 9h43m05s
